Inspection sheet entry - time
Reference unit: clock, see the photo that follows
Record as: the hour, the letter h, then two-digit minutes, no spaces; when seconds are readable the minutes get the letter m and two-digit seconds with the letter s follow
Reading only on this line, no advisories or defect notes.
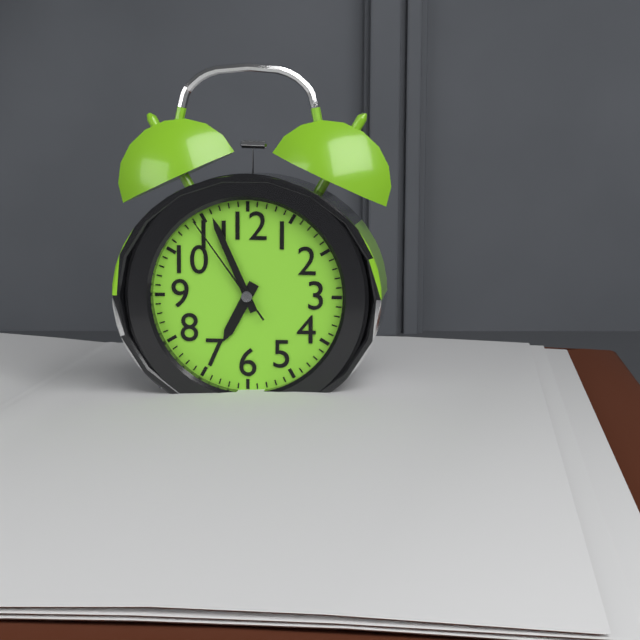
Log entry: 6h56m54s
